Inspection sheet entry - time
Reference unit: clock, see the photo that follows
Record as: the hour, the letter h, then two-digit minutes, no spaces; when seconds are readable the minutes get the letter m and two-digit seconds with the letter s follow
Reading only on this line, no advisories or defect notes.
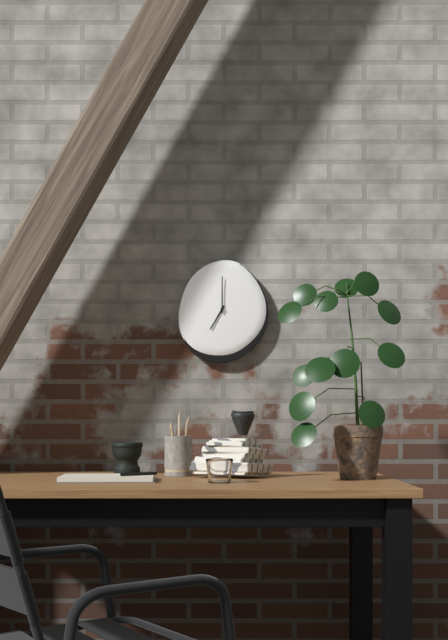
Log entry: 7h00
